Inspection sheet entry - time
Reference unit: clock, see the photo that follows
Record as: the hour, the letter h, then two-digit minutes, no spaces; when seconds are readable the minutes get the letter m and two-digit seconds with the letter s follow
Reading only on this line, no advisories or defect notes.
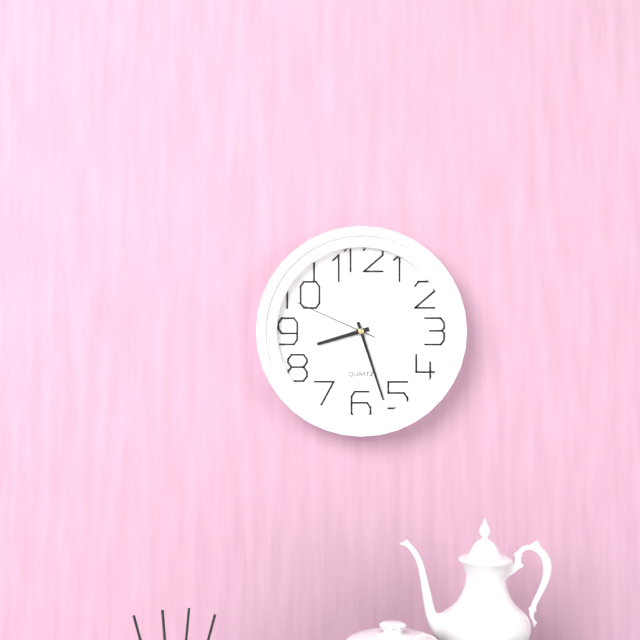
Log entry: 8h27m49s
